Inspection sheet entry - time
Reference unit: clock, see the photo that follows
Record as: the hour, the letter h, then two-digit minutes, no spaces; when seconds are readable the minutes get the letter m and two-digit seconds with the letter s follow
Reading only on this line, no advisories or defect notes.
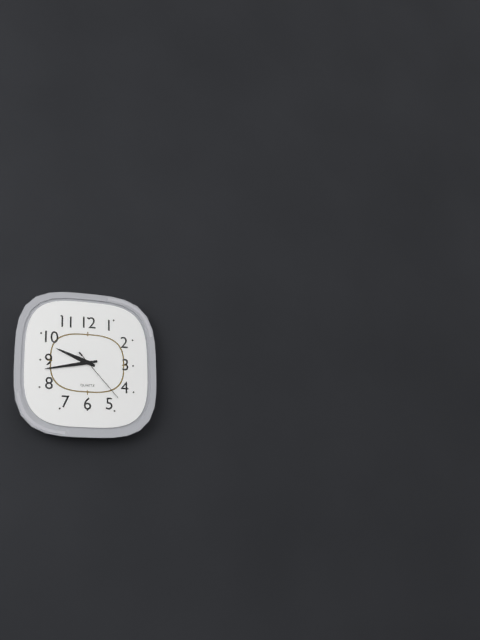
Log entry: 9h43m23s
